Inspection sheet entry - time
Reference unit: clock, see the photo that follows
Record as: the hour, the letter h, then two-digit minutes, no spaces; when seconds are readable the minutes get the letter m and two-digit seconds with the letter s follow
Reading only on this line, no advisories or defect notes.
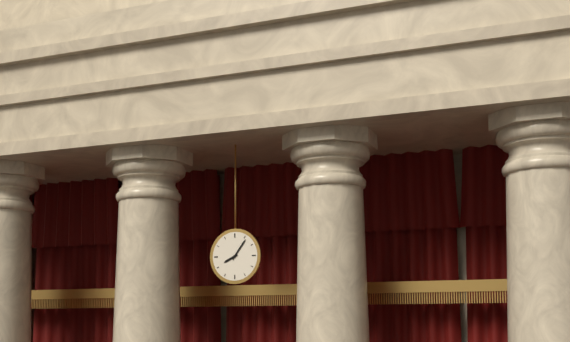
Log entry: 8h06
